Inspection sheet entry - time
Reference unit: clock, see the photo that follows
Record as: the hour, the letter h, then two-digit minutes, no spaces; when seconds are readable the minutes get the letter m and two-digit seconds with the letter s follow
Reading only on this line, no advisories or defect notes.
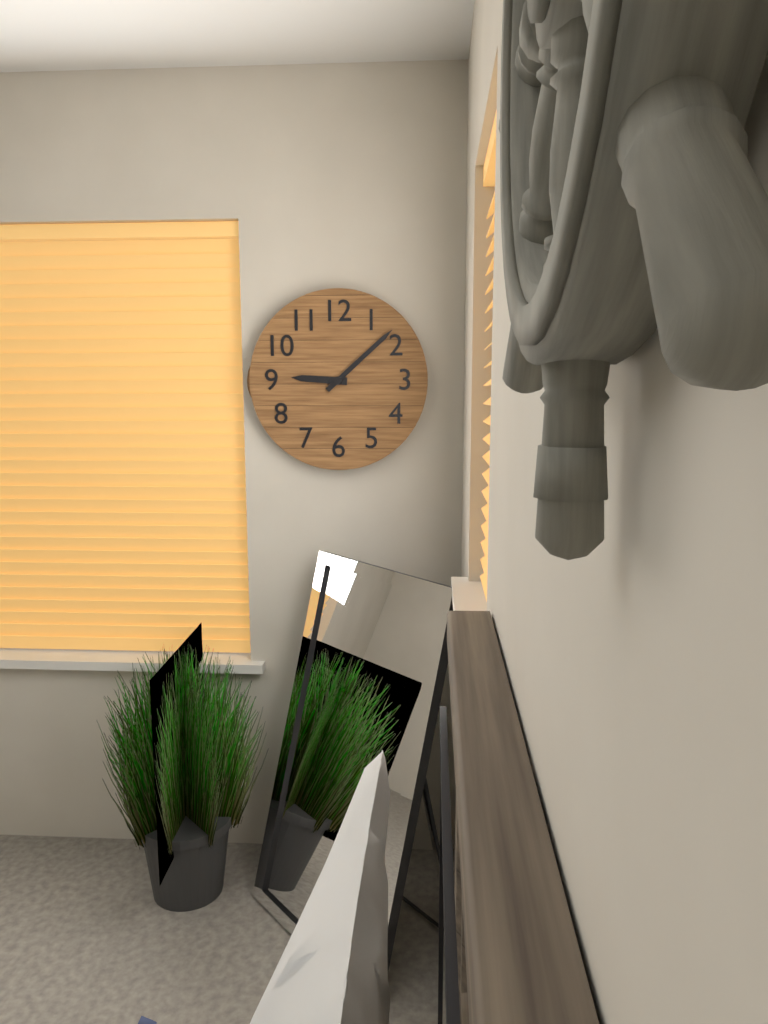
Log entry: 9h08
